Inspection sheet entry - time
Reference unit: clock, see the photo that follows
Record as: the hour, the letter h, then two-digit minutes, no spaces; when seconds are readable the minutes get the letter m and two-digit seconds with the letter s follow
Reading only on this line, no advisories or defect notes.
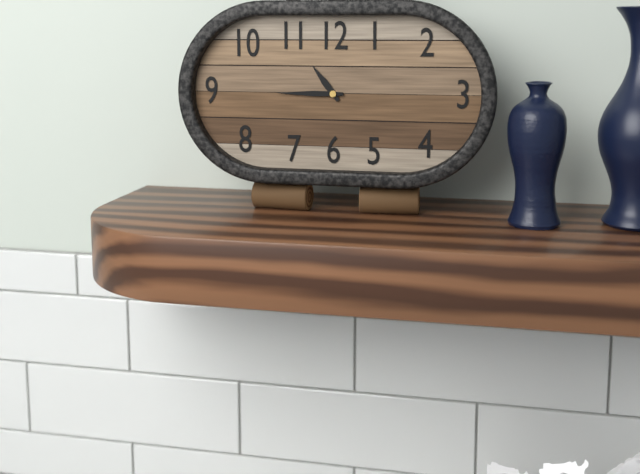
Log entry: 10h45
